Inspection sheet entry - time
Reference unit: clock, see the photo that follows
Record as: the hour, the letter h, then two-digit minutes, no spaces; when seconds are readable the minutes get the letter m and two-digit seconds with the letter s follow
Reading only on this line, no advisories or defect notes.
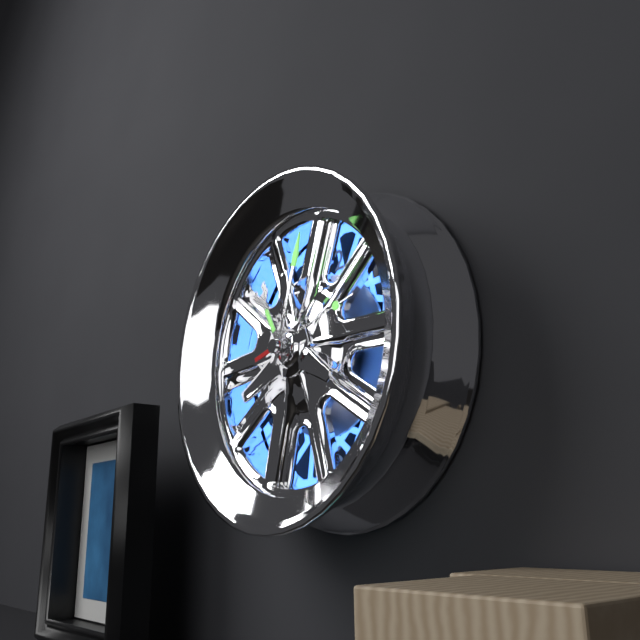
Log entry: 11h03m13s
